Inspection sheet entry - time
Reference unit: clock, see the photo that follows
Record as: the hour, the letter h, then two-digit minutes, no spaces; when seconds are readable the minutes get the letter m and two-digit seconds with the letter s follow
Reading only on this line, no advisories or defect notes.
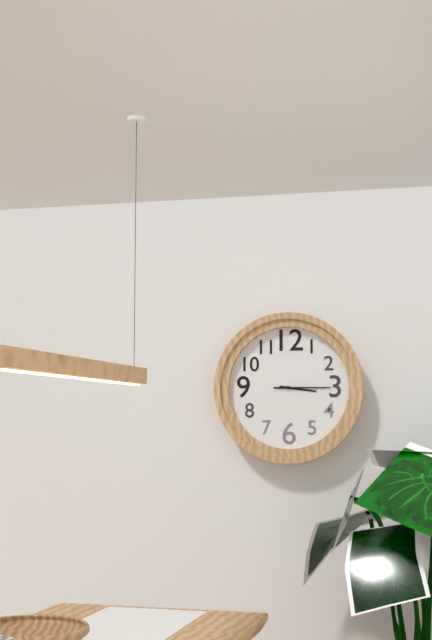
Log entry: 3h15
